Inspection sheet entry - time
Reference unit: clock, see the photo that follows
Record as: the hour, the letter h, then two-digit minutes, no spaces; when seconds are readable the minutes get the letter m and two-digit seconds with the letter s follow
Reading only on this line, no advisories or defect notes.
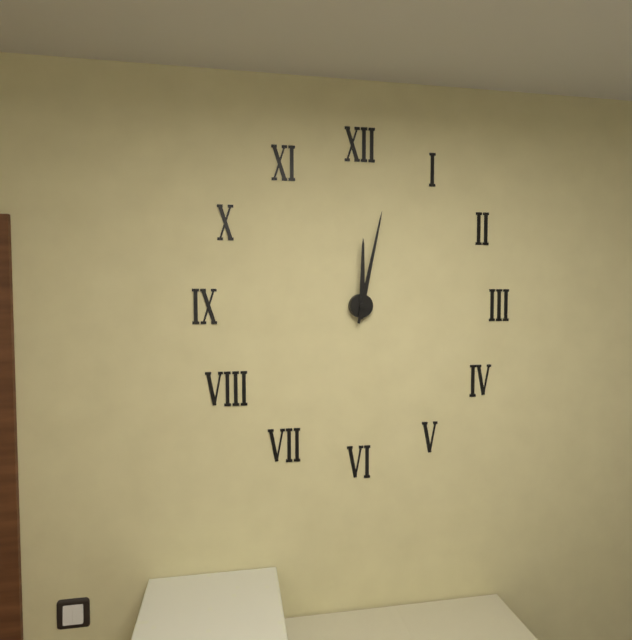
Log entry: 12h02
